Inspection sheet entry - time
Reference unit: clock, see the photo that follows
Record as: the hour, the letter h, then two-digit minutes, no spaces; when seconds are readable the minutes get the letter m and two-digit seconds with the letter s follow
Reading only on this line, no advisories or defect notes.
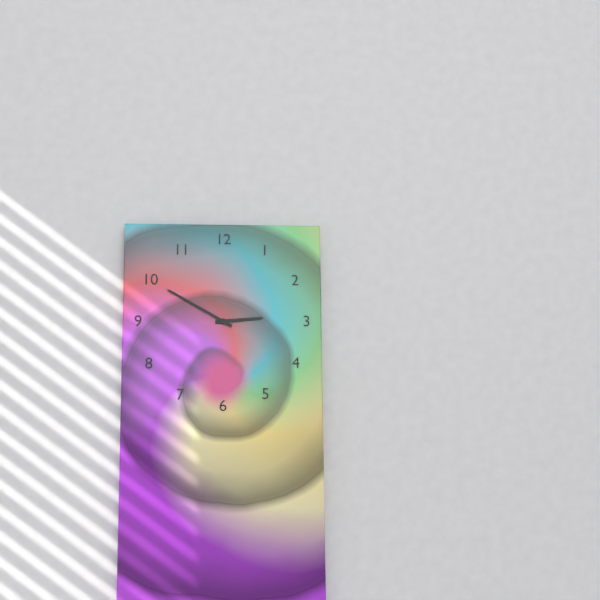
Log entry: 2h50
